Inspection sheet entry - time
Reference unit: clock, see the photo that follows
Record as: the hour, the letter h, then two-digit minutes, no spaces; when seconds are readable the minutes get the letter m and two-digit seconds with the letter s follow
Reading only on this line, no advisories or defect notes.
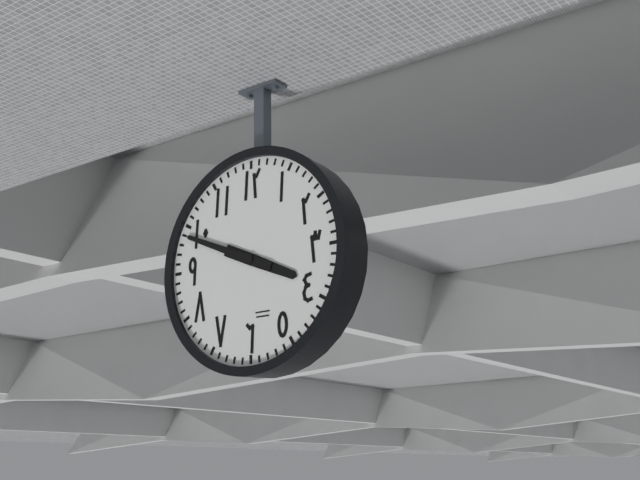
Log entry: 3h49
